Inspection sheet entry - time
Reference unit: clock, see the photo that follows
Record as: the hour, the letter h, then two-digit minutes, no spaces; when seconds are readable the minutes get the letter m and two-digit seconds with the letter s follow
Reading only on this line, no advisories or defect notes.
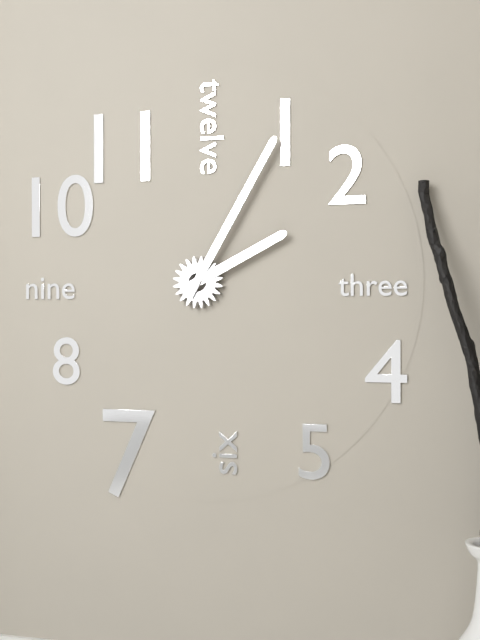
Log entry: 2h05
